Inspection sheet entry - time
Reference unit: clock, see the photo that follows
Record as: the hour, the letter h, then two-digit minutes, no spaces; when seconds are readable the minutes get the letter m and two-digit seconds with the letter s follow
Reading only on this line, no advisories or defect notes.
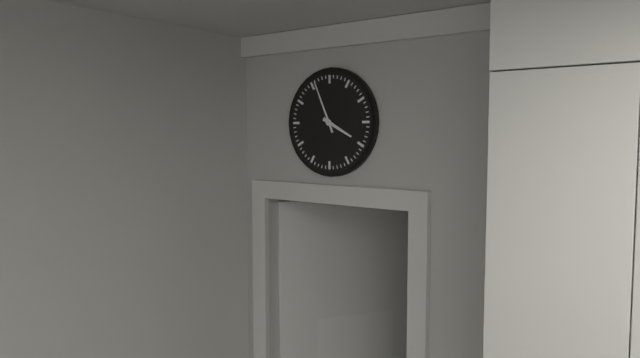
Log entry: 3h56
